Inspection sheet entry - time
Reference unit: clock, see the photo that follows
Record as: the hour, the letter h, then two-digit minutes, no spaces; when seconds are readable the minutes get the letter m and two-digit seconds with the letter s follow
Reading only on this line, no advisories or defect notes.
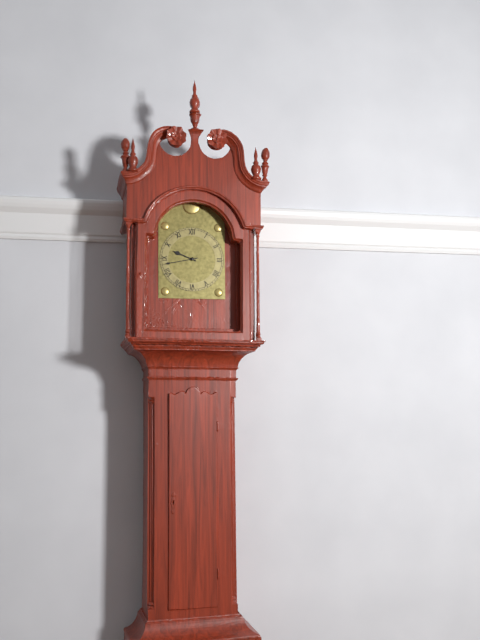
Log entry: 9h43
